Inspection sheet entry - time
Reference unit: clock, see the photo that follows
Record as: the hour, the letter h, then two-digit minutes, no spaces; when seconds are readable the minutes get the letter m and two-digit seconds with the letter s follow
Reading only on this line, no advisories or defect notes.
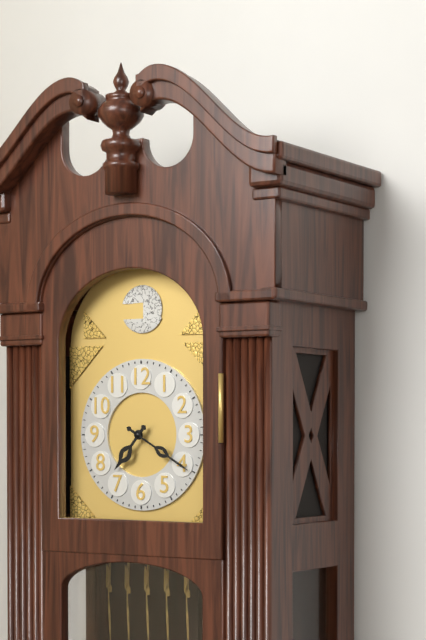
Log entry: 7h20
